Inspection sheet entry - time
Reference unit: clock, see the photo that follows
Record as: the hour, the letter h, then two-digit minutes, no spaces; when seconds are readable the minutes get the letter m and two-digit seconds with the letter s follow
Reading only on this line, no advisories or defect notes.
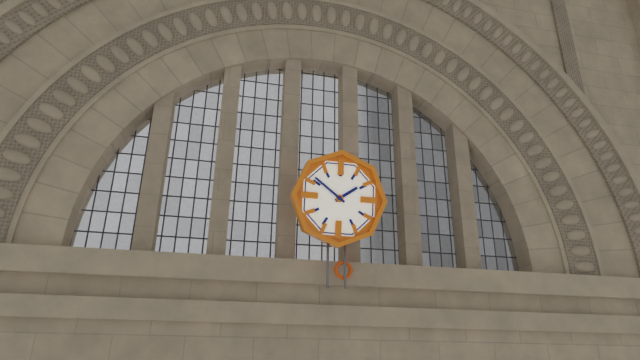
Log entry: 1h51
